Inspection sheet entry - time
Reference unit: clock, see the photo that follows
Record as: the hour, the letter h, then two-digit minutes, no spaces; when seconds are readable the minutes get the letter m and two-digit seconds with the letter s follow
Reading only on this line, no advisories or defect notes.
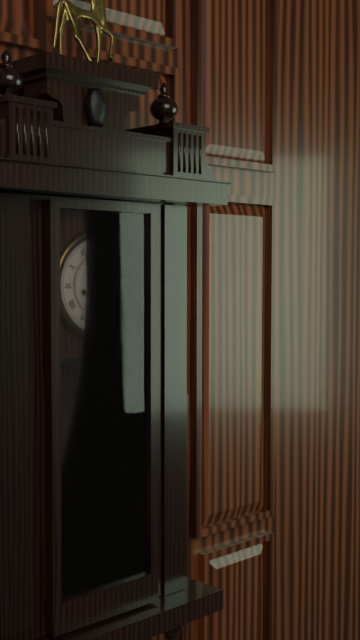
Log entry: 1h56
